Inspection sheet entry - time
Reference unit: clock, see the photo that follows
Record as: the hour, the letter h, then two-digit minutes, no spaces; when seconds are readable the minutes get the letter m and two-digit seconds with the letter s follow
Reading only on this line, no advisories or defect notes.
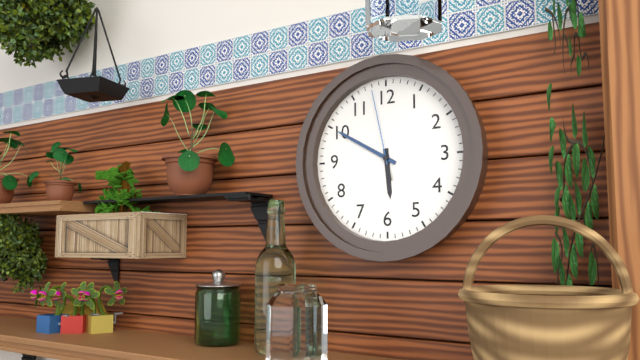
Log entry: 5h50m58s
